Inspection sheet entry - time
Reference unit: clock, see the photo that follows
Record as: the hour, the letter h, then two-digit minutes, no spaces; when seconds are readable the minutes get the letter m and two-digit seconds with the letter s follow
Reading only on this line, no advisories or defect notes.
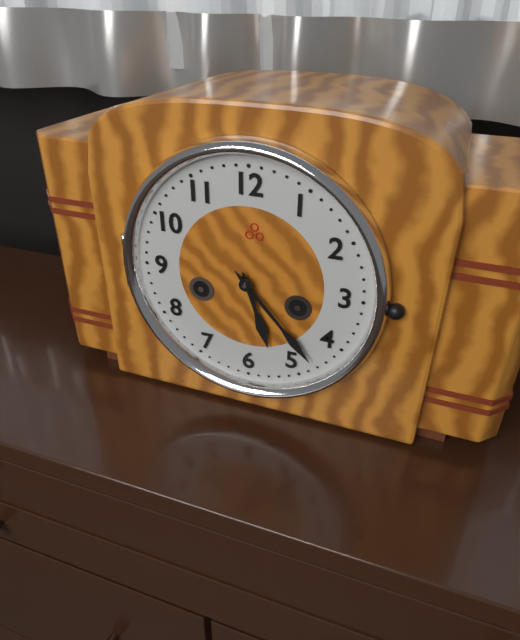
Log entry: 5h23
